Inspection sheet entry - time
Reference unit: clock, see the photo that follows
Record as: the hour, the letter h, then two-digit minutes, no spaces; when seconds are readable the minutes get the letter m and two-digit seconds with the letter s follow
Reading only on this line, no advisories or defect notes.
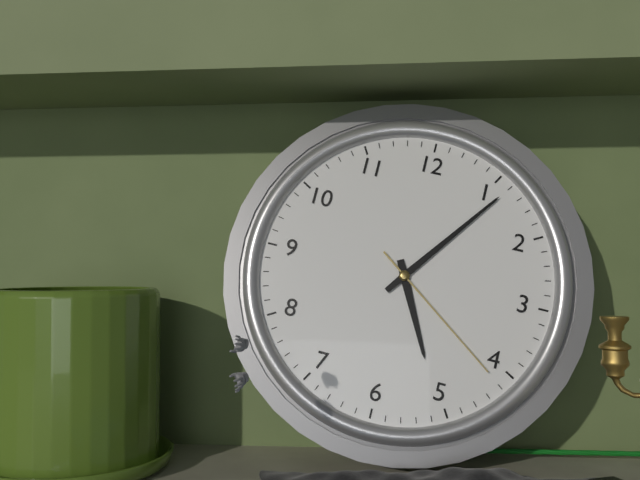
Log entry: 5h06m21s
